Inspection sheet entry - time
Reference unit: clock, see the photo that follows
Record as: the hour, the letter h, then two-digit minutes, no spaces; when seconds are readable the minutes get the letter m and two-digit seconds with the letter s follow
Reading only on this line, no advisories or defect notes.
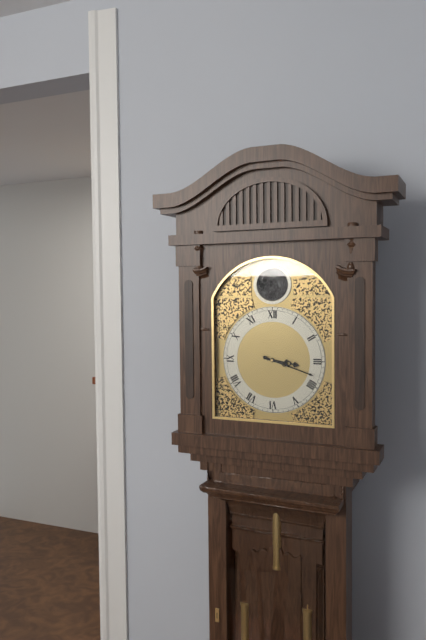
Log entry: 3h18
